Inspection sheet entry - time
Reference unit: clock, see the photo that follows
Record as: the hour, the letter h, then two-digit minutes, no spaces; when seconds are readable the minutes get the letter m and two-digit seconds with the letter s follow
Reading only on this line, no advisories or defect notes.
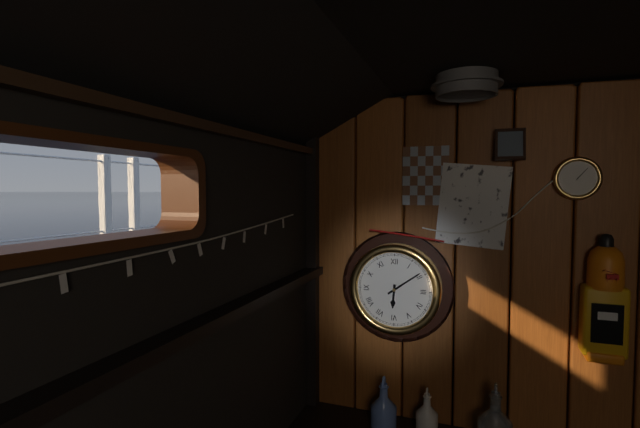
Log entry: 6h09
